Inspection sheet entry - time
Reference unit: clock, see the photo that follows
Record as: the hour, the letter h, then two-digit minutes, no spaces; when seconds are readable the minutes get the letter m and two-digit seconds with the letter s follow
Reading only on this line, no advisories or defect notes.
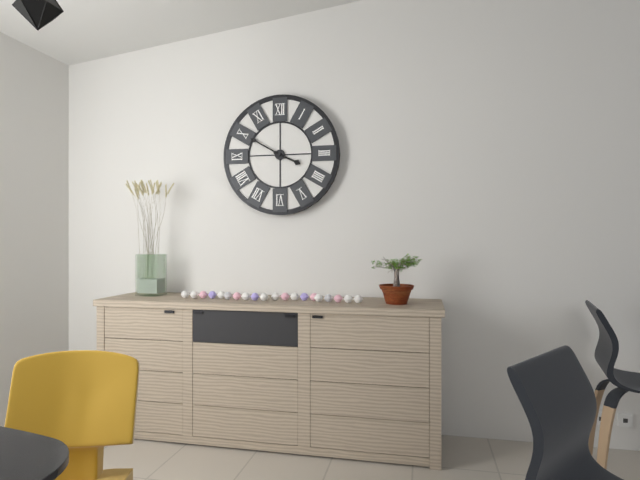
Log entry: 3h50
